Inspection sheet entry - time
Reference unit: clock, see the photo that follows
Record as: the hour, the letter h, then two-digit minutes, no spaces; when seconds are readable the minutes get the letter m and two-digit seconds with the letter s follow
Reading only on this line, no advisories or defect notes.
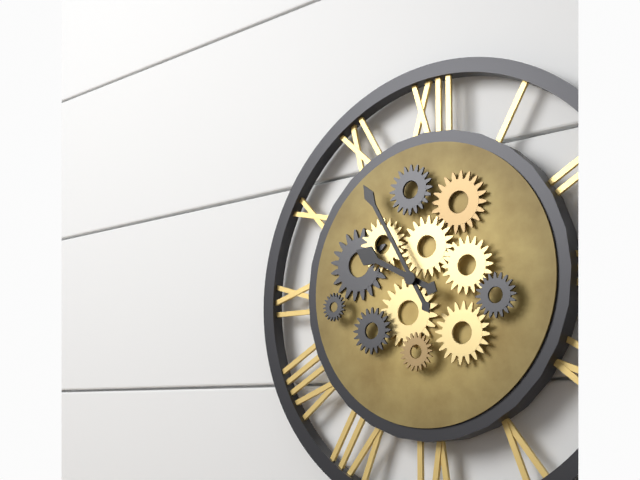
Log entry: 9h55
